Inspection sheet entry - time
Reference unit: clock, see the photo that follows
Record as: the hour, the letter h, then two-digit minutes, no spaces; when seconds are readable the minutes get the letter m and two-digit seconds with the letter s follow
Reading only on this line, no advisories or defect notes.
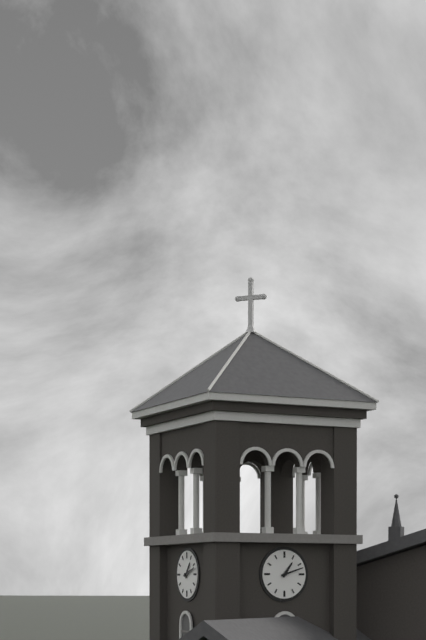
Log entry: 1h12
